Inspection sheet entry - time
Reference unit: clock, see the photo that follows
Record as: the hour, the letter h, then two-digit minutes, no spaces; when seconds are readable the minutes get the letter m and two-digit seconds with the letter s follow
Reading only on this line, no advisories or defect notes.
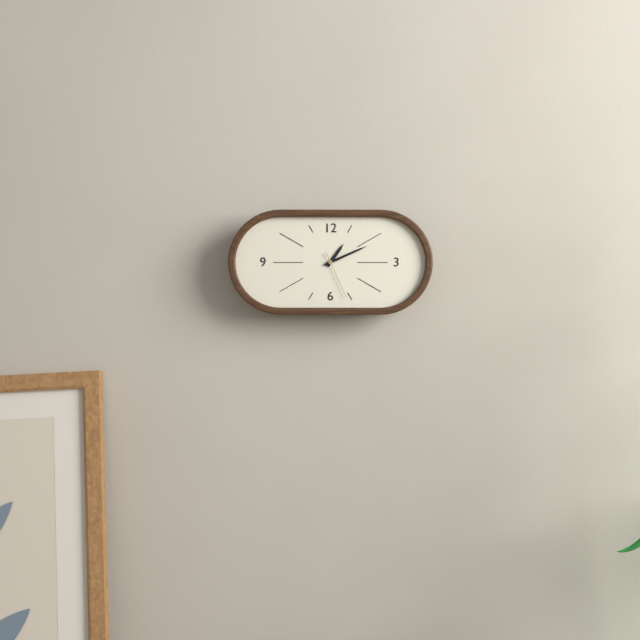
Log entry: 1h11
